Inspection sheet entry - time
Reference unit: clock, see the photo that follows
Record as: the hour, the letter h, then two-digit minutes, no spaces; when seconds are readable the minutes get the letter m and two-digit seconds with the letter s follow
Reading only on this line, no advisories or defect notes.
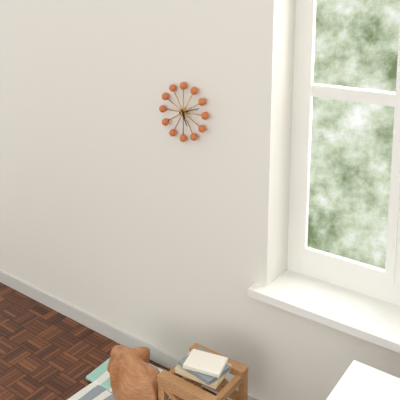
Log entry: 5h12
